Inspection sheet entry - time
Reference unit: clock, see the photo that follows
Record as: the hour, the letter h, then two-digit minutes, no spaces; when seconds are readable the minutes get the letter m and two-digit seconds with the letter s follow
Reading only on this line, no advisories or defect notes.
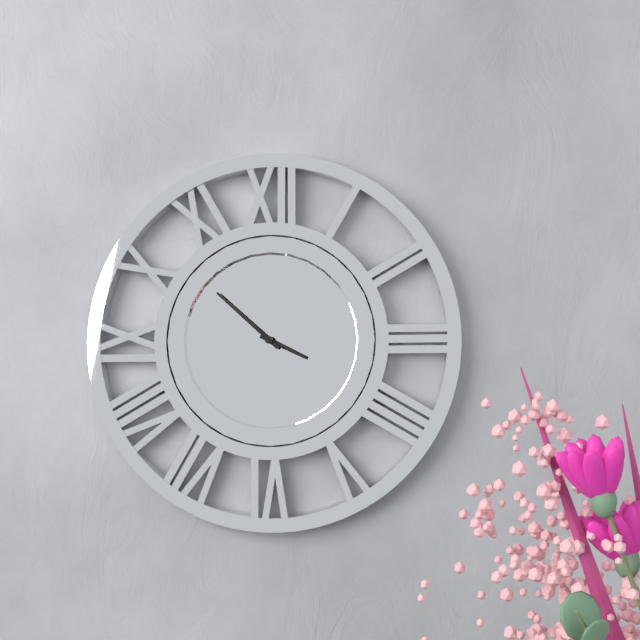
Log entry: 3h52
